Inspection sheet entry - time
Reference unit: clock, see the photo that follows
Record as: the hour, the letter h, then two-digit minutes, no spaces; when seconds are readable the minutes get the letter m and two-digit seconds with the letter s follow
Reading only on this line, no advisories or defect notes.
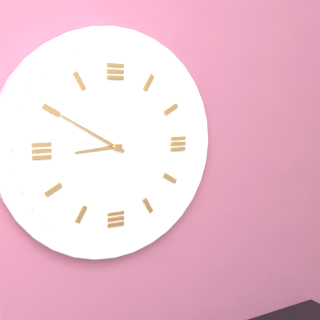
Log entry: 8h50
